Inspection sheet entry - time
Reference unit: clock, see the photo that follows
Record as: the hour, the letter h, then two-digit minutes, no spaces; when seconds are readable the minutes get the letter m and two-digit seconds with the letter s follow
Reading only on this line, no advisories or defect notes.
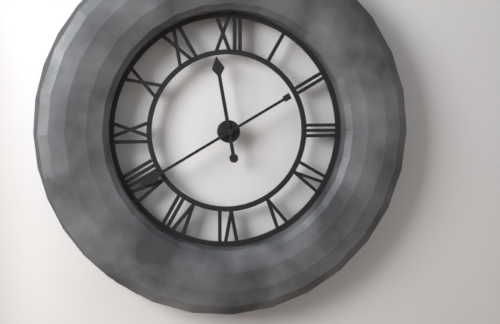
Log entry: 11h40
